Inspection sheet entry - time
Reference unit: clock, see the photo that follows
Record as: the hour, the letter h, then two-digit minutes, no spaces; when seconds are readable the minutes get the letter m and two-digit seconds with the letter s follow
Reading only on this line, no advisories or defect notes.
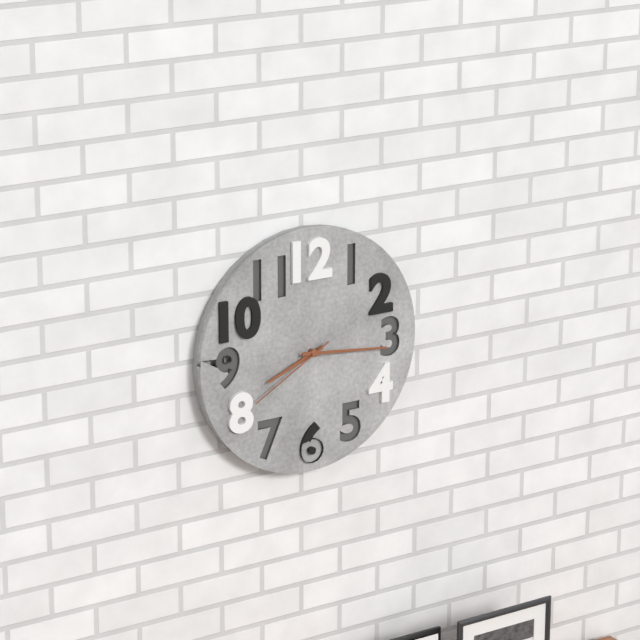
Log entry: 8h16m40s
